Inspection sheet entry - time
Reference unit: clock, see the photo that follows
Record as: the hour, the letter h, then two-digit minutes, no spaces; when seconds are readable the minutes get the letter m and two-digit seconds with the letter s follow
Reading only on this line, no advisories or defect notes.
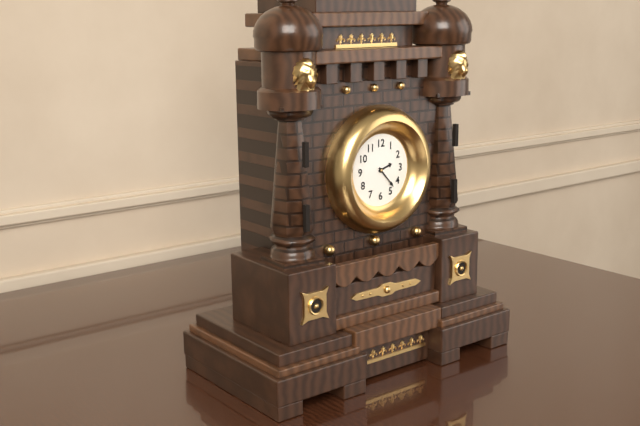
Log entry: 2h23
